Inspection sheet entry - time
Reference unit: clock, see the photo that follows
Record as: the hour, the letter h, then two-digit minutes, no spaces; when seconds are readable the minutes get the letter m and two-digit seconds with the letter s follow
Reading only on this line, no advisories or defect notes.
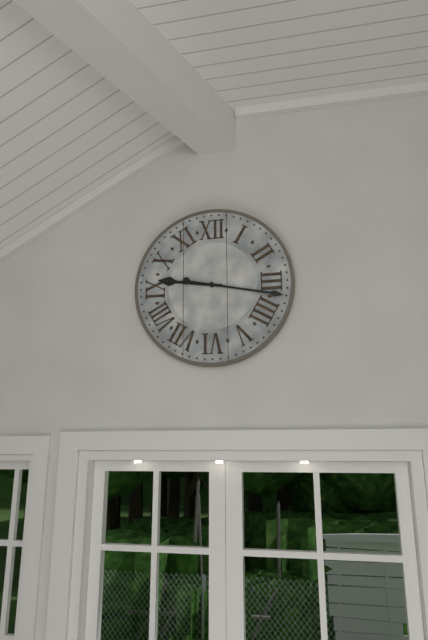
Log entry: 9h17
